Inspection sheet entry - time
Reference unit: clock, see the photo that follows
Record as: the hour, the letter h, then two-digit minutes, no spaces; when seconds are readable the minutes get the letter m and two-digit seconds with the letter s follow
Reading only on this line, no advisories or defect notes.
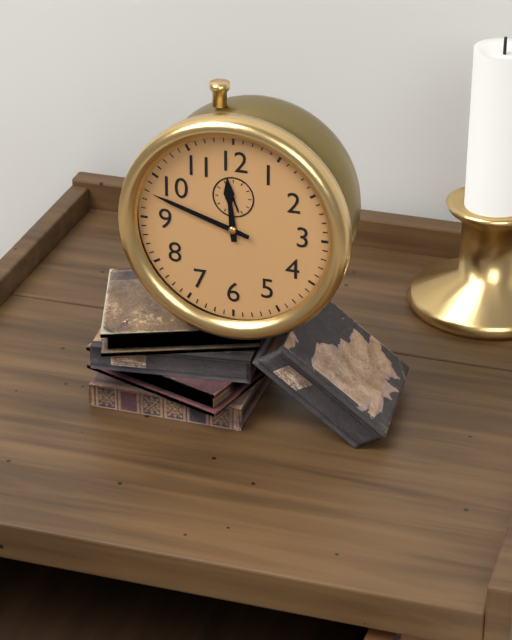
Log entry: 11h48
